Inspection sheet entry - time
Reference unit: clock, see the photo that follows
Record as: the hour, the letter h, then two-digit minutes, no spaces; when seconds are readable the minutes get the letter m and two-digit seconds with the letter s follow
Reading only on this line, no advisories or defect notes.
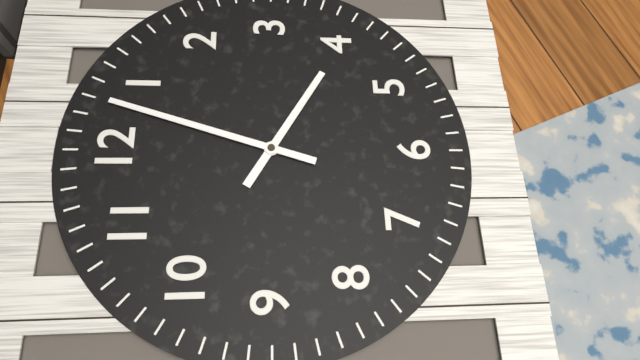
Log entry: 4h03
